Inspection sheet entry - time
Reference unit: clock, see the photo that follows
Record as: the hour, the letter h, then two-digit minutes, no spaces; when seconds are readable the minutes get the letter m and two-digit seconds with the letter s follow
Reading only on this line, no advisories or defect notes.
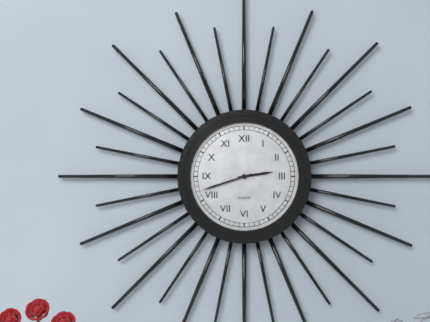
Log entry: 2h42
